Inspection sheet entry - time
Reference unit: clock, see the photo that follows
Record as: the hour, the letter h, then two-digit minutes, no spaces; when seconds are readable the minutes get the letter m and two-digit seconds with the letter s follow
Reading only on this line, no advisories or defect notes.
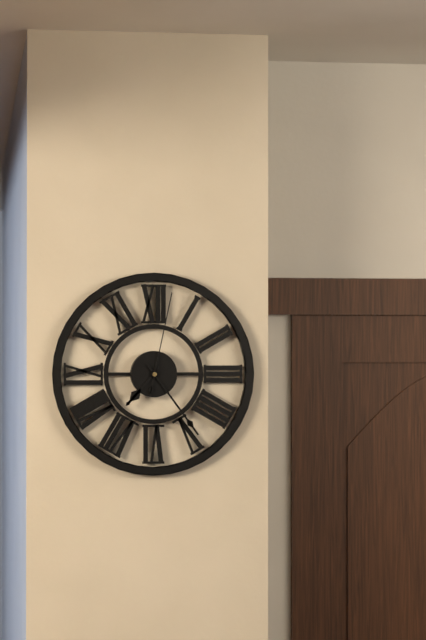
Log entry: 7h24m02s
